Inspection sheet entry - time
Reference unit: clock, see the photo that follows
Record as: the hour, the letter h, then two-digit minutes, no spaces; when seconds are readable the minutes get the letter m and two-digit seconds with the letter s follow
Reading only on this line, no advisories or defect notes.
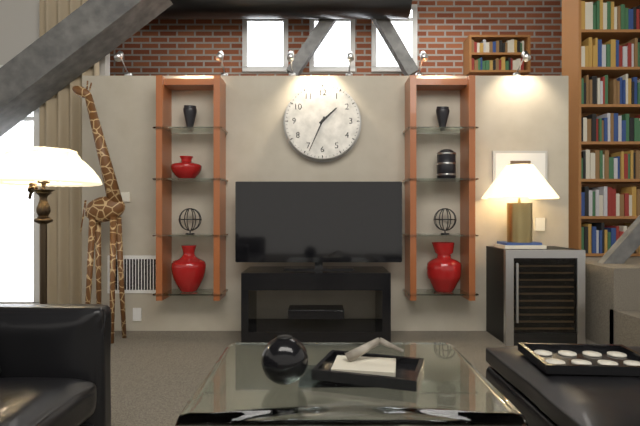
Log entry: 1h34
